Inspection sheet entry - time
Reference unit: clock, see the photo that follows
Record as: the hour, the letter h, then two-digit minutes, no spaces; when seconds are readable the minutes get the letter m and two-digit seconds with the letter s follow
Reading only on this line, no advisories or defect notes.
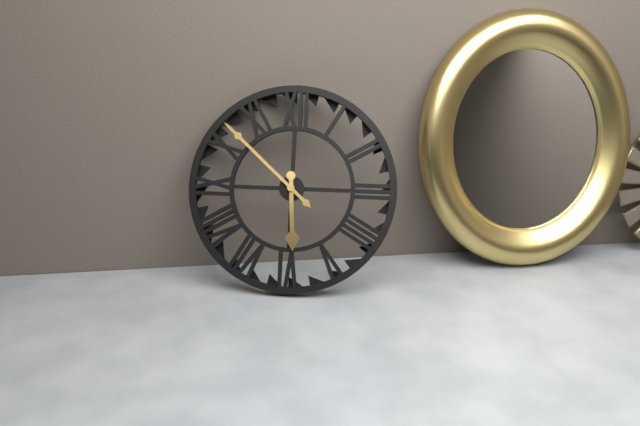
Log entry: 5h52
